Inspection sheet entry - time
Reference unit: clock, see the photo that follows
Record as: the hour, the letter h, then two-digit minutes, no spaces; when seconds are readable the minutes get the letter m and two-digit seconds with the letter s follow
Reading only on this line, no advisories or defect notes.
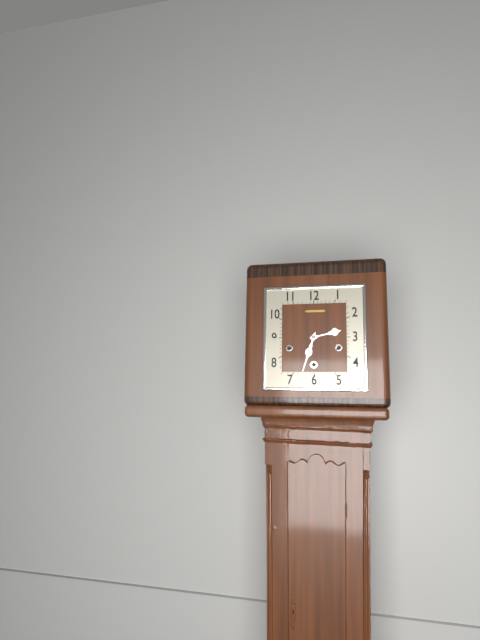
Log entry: 2h33
